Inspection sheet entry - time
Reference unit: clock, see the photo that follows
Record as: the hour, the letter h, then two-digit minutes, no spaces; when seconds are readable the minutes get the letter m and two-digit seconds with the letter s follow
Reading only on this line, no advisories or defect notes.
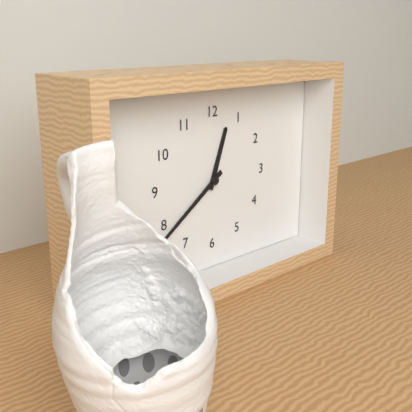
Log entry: 12h39
